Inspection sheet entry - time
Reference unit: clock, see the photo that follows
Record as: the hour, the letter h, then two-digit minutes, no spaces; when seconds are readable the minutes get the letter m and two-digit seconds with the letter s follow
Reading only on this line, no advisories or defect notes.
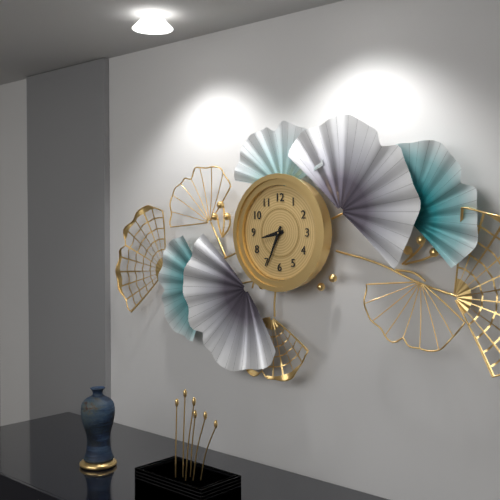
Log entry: 8h34
